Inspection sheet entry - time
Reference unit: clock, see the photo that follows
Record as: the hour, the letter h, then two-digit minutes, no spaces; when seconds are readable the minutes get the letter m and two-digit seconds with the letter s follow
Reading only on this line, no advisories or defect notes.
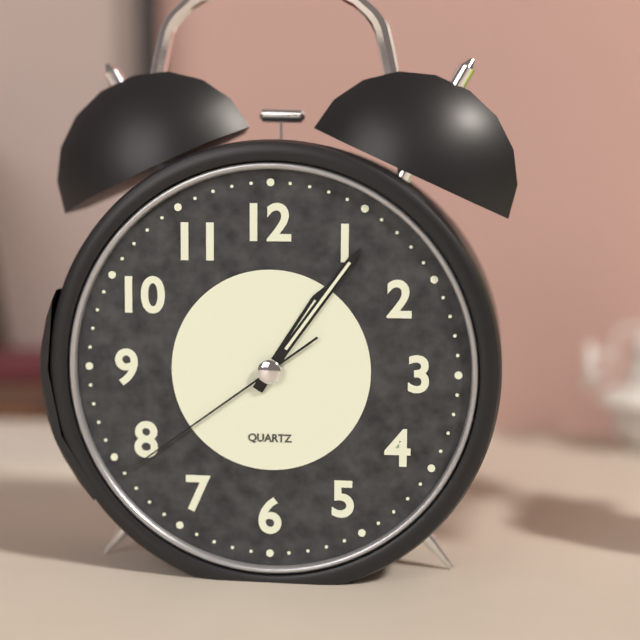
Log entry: 1h06m39s
